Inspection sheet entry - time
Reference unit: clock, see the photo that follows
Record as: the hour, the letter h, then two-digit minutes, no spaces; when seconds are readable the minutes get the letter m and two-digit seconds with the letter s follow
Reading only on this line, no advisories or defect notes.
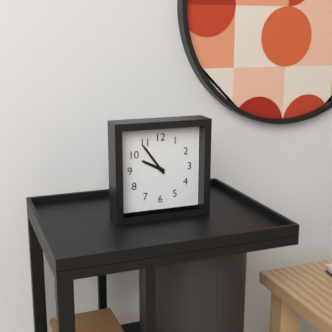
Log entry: 9h54
